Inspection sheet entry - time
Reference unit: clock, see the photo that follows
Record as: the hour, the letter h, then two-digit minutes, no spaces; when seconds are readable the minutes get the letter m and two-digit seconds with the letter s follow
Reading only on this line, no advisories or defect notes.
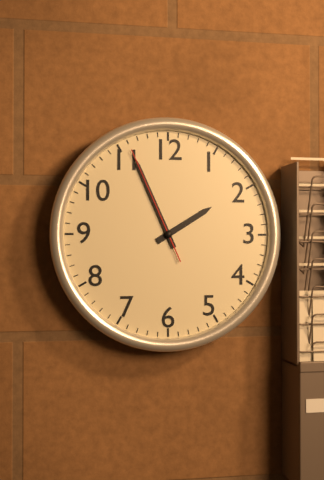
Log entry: 1h56m56s
